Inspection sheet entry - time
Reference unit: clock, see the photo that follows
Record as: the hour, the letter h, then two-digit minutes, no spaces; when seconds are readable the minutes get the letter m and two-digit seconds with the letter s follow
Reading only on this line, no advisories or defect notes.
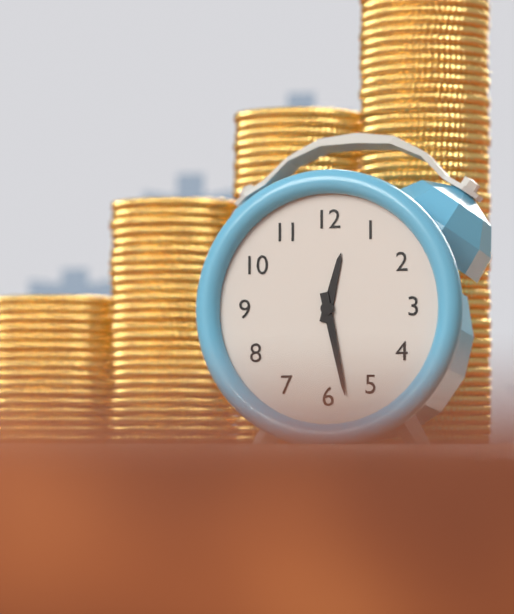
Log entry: 12h28
